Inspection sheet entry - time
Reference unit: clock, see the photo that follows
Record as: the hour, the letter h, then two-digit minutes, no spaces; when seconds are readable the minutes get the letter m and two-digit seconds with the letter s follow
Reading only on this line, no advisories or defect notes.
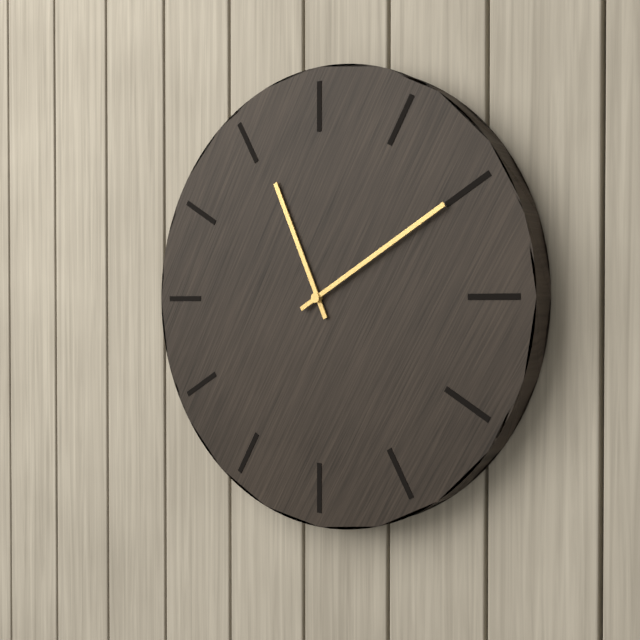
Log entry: 11h10
